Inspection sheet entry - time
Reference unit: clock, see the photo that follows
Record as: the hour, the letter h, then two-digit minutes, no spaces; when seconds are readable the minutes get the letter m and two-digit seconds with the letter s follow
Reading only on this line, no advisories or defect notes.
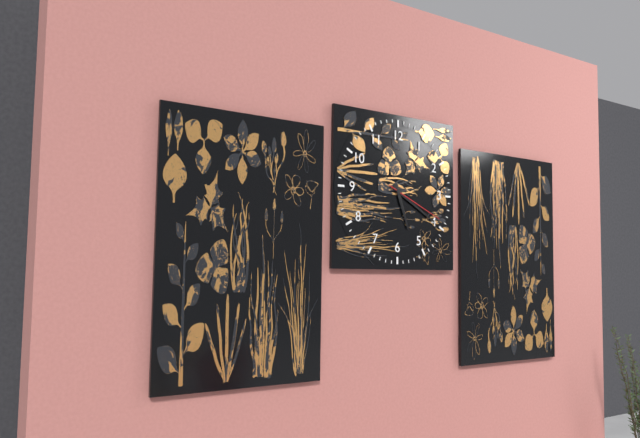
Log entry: 5h20m19s
